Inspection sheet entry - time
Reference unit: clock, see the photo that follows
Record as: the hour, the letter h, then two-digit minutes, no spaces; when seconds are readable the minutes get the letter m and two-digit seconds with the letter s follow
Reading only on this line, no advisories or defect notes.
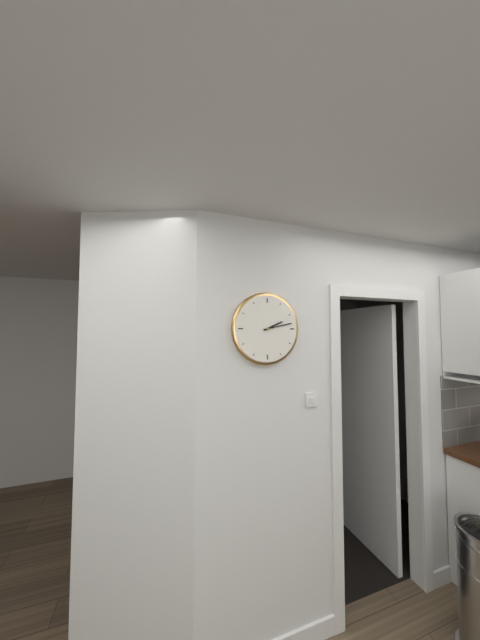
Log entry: 2h13
